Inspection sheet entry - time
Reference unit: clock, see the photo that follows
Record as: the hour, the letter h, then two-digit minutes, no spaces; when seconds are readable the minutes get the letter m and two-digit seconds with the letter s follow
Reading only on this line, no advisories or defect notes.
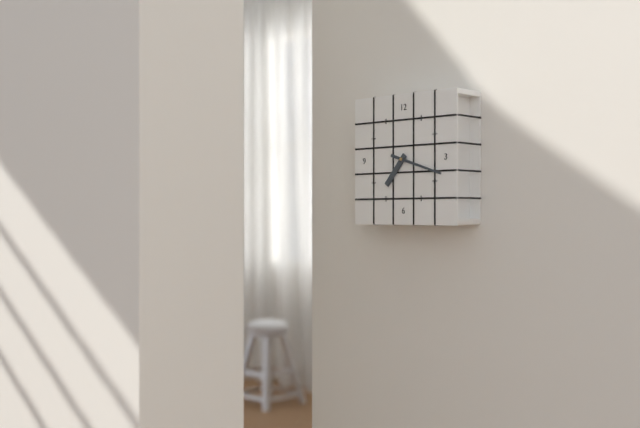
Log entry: 7h18
